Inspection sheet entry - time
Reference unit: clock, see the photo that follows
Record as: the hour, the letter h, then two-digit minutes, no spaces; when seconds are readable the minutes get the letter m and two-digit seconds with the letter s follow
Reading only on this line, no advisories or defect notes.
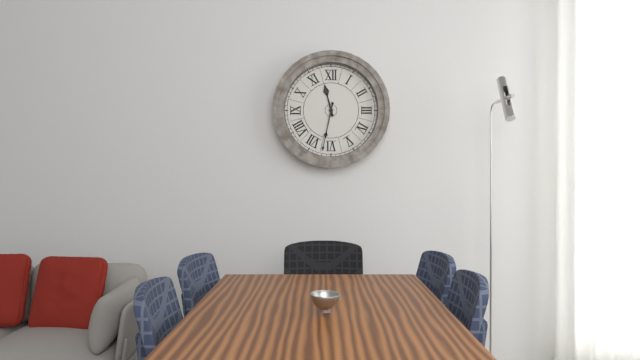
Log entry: 11h32
